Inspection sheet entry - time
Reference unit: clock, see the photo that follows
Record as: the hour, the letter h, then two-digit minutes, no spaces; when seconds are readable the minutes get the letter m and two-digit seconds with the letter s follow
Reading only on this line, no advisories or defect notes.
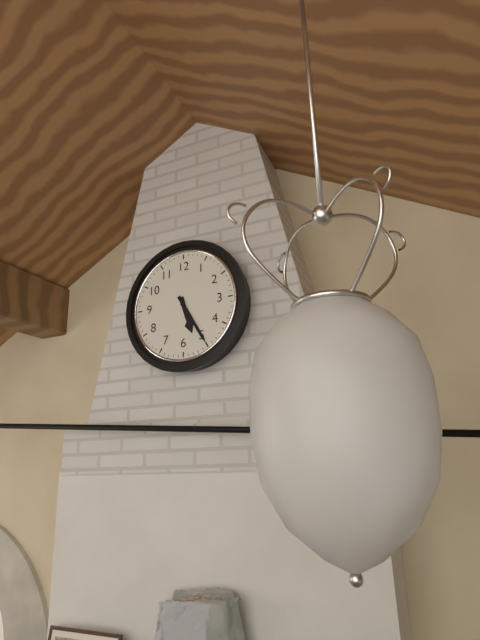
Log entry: 5h25
